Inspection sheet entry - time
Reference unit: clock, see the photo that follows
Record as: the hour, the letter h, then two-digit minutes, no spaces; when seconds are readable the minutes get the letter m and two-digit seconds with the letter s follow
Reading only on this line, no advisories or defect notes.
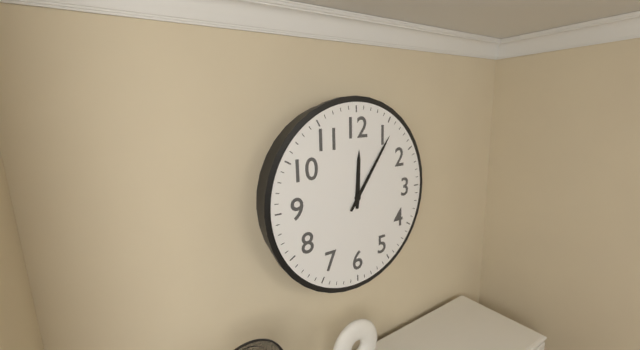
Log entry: 12h06
